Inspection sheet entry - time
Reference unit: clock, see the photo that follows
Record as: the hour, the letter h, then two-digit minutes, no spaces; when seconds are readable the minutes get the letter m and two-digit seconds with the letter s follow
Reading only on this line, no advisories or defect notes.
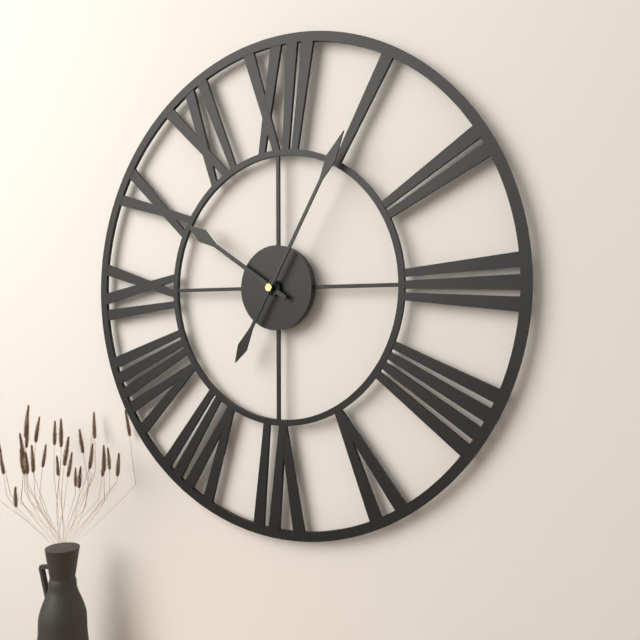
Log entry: 10h05
